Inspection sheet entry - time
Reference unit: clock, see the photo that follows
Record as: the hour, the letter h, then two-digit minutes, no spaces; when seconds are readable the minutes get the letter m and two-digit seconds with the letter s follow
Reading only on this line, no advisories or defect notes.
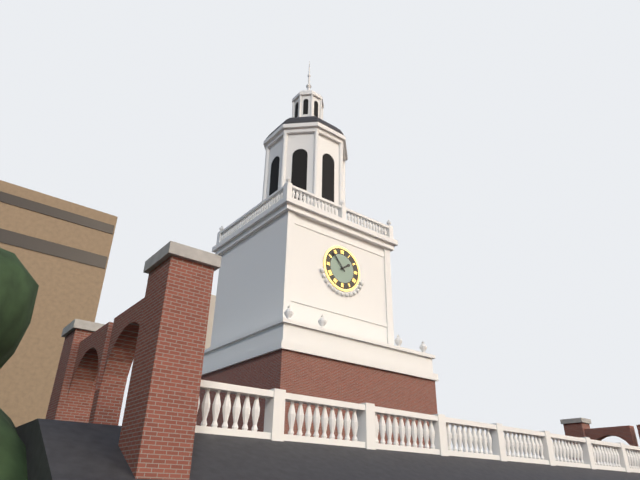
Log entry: 1h53
